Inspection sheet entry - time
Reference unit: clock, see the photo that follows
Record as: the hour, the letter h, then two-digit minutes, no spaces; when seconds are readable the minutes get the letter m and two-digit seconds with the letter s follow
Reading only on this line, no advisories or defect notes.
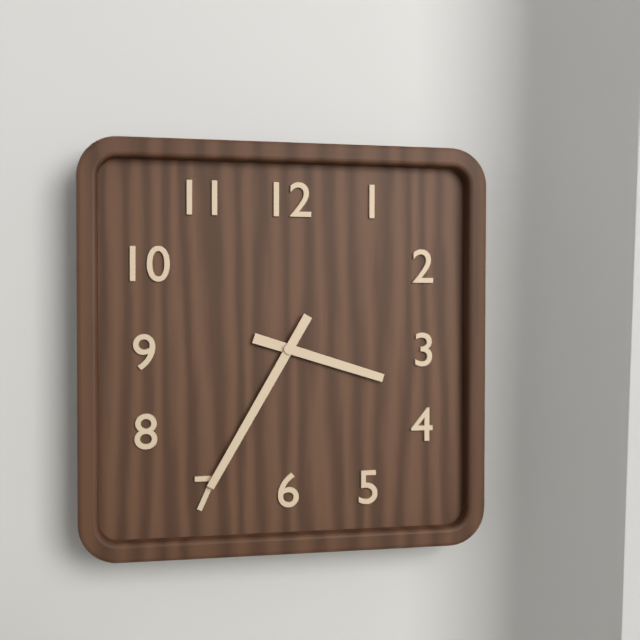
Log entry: 3h35
